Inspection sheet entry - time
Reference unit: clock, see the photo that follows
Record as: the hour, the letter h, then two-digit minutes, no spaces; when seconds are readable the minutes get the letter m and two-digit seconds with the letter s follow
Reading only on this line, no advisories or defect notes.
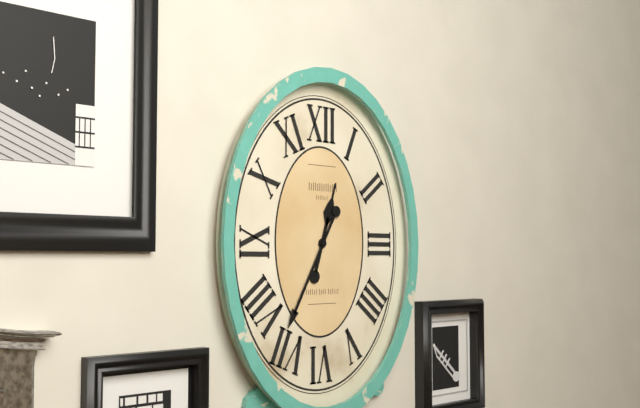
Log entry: 12h35
